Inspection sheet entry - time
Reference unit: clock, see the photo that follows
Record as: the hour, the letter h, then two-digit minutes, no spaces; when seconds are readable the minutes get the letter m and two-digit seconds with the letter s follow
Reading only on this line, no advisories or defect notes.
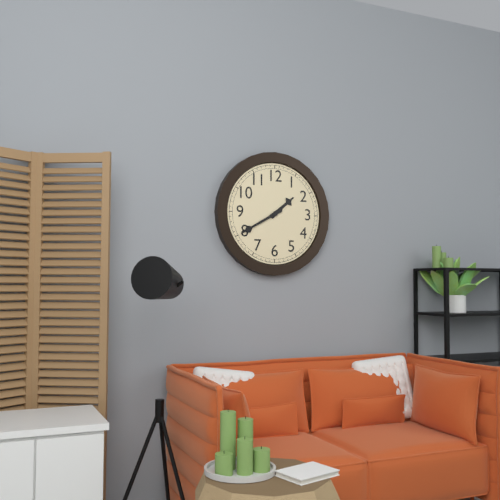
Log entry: 1h40
